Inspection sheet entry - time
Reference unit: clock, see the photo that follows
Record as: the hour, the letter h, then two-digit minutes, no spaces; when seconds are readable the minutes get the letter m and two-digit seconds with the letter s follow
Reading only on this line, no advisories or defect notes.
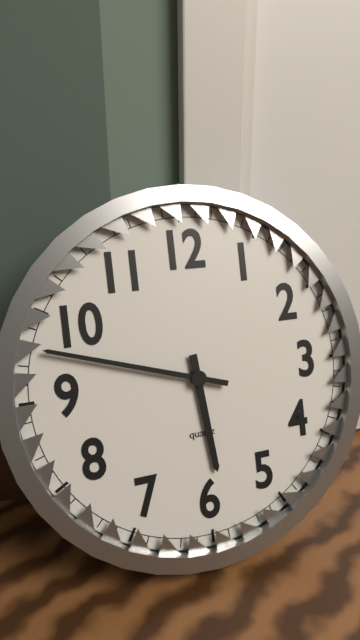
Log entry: 5h48
